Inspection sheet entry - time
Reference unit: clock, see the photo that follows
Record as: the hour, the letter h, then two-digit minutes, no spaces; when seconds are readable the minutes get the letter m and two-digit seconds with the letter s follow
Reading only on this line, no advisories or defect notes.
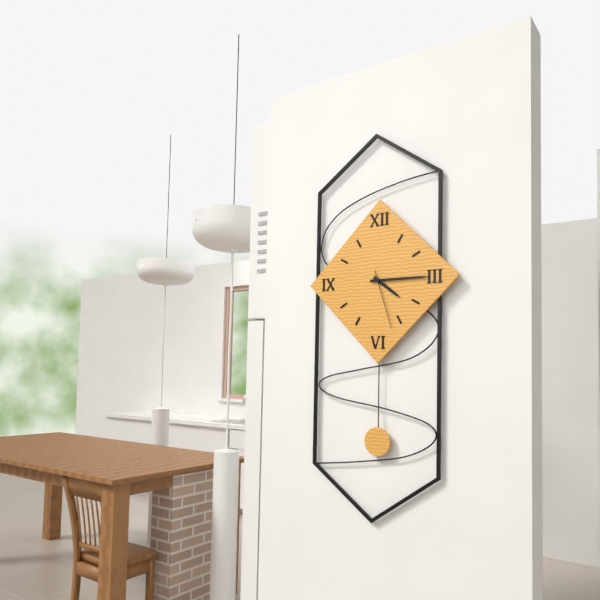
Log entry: 4h15m27s
